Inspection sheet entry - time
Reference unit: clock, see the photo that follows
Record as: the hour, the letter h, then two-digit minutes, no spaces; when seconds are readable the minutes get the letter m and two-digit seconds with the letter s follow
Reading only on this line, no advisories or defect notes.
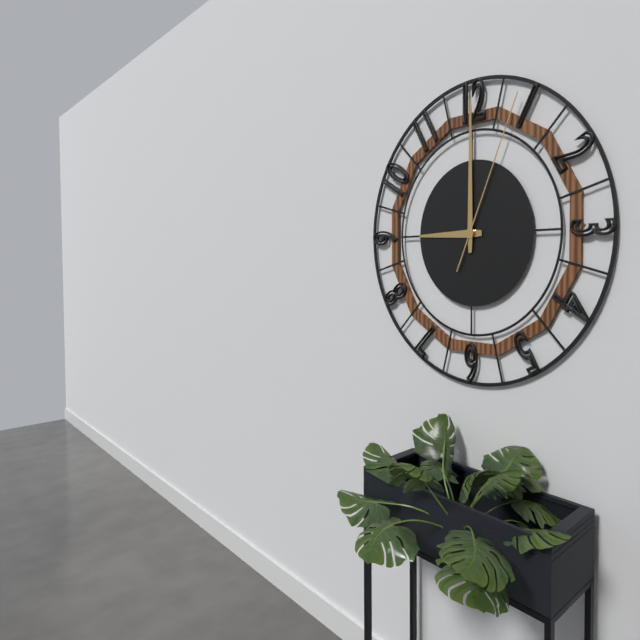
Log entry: 9h00m04s
